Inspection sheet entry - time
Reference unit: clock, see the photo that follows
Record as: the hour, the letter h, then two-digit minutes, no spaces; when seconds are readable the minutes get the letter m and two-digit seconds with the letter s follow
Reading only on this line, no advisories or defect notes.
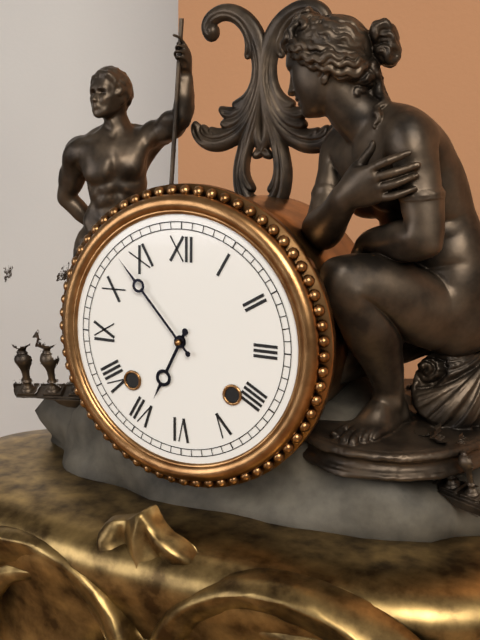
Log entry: 6h53
